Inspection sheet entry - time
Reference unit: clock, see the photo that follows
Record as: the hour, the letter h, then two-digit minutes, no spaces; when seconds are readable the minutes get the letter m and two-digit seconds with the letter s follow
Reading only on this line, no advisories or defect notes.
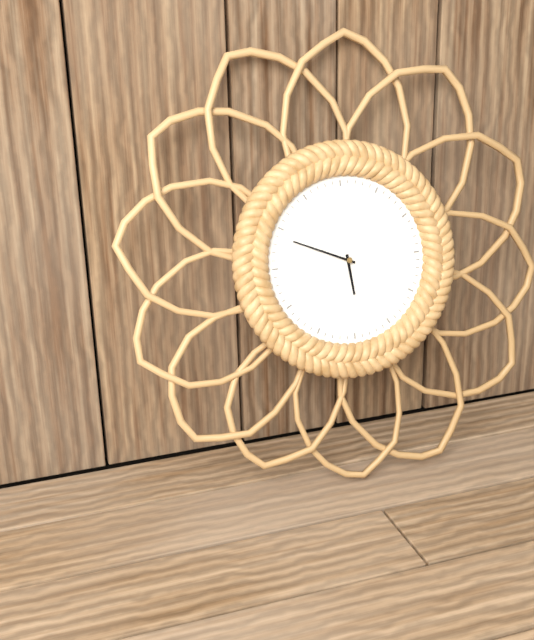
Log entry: 5h49
